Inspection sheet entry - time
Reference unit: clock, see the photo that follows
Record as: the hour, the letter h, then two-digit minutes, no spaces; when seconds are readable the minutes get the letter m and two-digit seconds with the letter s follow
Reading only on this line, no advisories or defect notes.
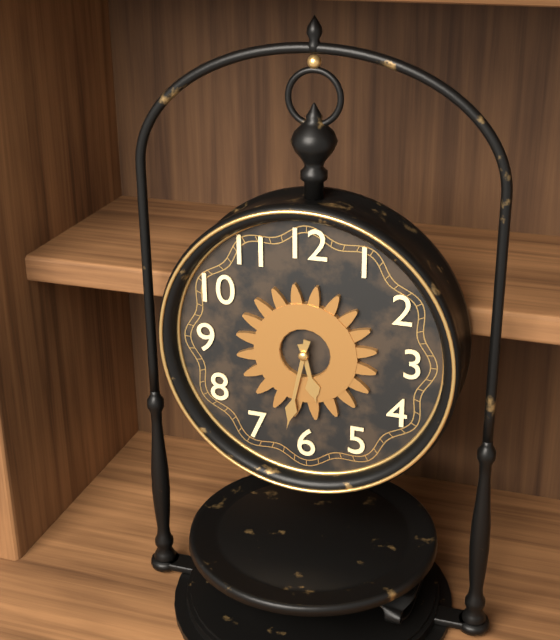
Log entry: 5h32
